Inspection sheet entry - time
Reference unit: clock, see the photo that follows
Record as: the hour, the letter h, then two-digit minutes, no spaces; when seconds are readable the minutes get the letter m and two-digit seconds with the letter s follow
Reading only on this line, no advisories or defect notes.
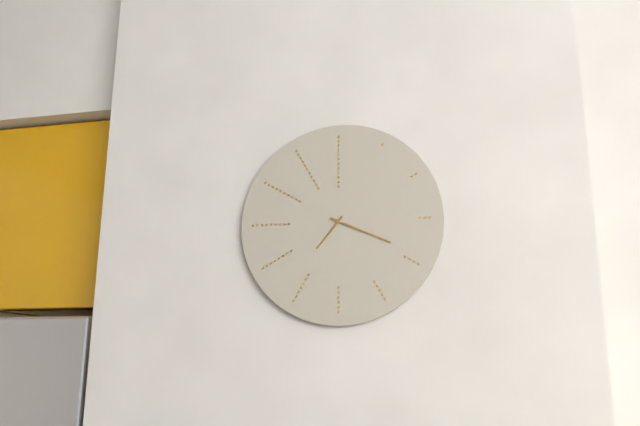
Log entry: 7h19
